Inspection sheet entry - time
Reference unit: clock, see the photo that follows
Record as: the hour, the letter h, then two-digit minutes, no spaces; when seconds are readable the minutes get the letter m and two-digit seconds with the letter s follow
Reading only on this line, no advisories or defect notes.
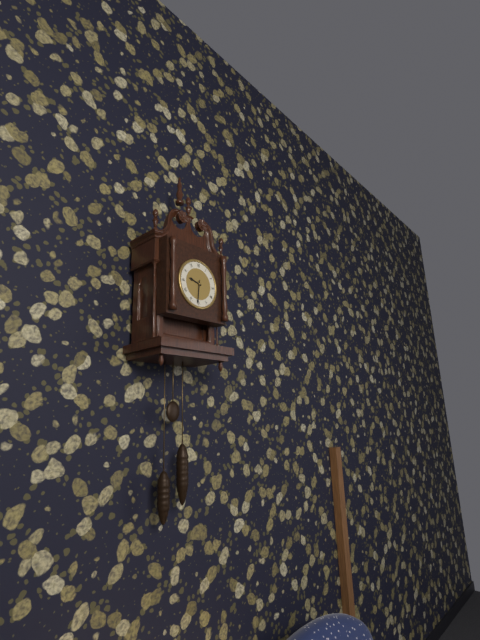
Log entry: 9h31
